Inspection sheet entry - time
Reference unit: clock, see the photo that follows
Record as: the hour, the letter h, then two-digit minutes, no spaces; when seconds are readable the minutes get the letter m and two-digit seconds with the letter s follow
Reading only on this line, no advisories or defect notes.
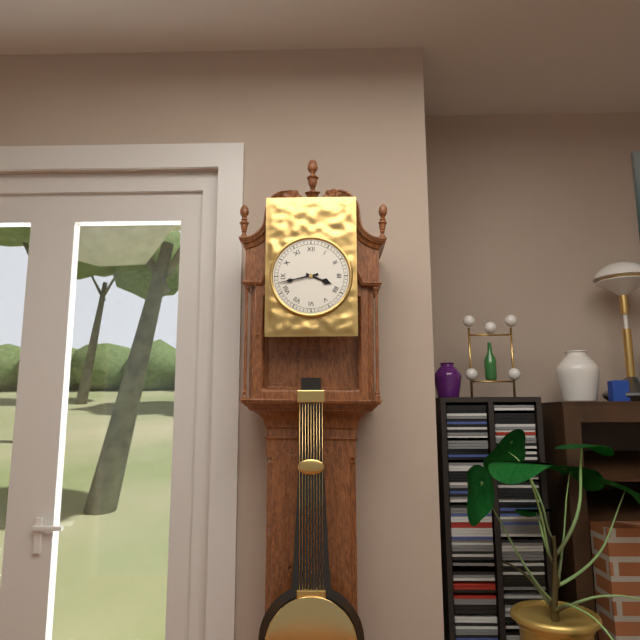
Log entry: 3h43
